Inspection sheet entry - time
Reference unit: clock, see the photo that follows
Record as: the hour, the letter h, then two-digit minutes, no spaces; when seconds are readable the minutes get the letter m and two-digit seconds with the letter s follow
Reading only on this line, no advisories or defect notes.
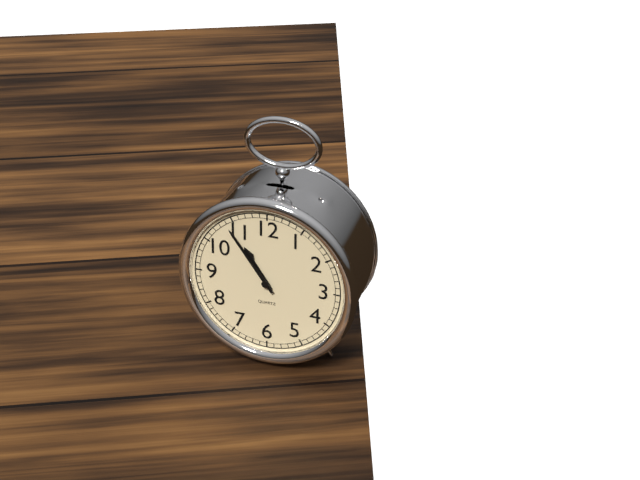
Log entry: 10h54
